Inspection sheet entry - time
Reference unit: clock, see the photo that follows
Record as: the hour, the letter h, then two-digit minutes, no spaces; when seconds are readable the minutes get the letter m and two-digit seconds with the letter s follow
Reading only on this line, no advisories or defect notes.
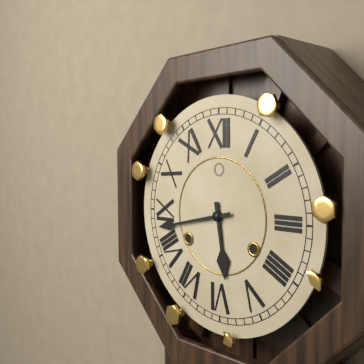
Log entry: 5h43
